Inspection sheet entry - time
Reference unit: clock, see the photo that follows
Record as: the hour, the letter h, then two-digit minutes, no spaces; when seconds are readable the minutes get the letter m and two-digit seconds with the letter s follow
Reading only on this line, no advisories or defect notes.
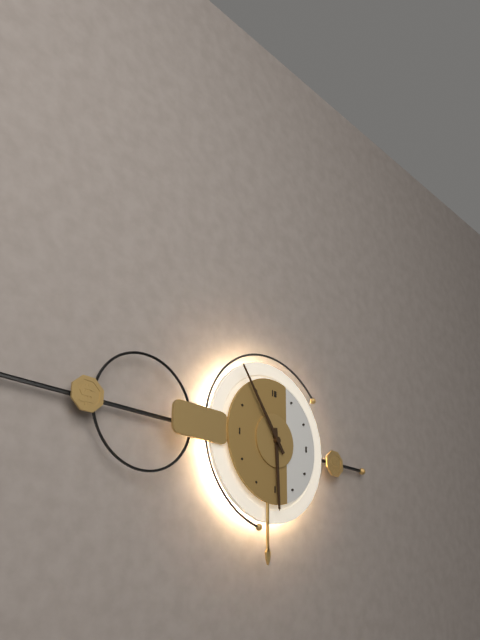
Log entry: 5h54
